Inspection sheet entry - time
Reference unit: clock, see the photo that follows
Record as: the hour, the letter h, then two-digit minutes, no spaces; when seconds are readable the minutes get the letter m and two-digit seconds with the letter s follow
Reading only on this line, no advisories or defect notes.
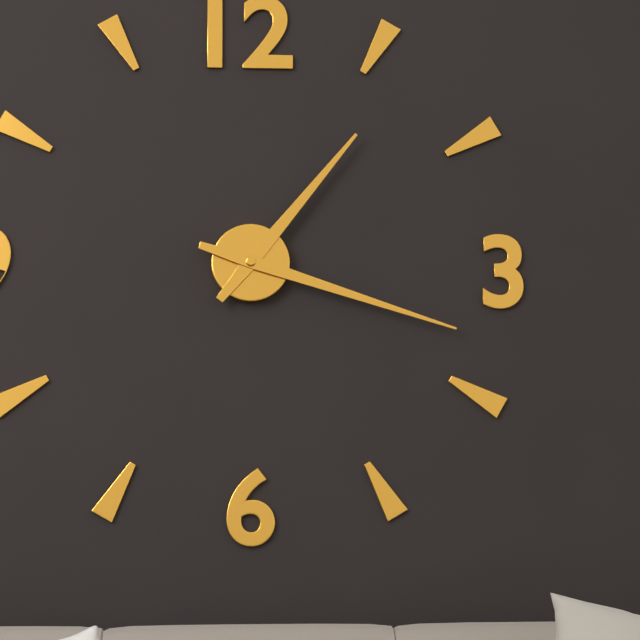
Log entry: 1h18
